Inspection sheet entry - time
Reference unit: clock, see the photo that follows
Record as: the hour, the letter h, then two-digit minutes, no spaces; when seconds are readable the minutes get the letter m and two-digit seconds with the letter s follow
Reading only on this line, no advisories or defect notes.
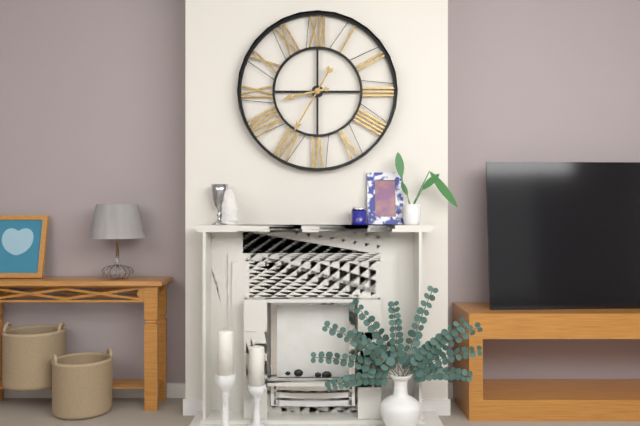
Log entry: 8h35
